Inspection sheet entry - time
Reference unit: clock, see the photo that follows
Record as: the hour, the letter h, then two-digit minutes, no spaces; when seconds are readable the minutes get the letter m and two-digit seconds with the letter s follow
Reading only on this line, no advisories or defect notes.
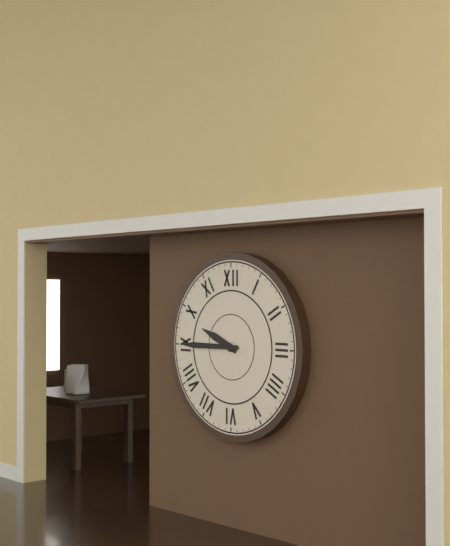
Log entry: 9h45
